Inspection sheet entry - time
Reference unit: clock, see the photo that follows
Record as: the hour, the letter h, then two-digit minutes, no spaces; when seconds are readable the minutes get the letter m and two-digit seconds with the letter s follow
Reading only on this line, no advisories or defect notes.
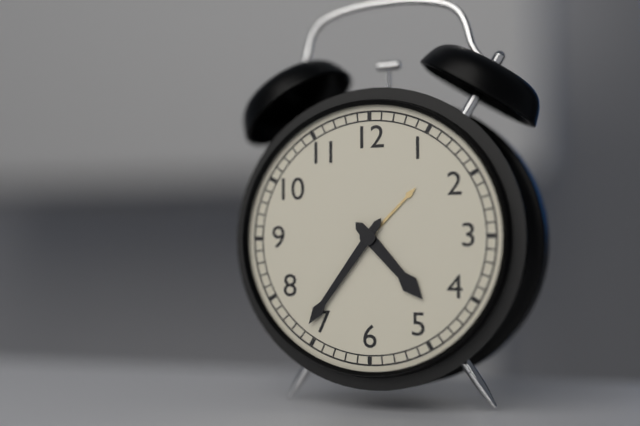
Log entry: 4h36
